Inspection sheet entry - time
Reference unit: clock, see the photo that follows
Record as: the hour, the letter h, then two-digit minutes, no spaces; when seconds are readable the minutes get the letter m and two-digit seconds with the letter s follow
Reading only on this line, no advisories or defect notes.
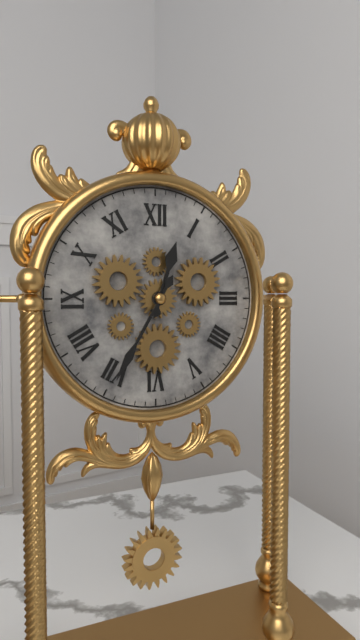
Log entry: 12h35
